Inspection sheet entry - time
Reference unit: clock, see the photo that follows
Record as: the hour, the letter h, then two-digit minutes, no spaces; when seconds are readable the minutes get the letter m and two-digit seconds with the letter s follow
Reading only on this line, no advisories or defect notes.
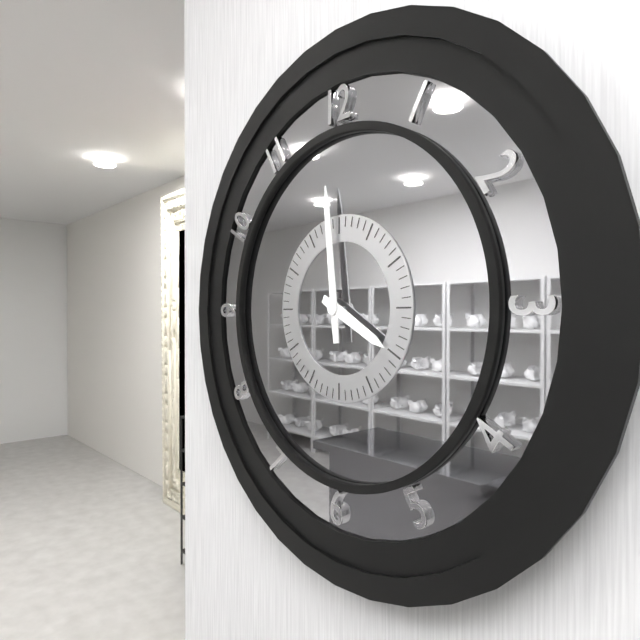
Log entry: 3h59
